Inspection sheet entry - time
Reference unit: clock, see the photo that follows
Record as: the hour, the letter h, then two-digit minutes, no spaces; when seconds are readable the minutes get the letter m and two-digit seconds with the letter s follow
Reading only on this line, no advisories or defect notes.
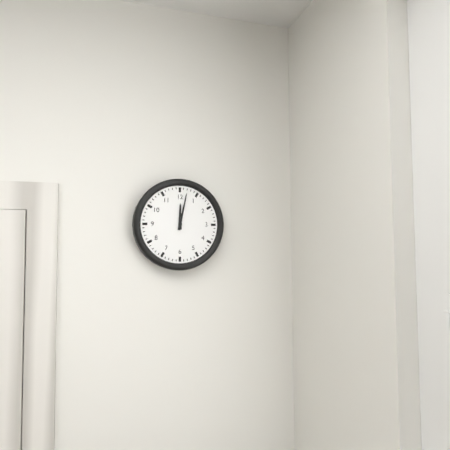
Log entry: 12h02
